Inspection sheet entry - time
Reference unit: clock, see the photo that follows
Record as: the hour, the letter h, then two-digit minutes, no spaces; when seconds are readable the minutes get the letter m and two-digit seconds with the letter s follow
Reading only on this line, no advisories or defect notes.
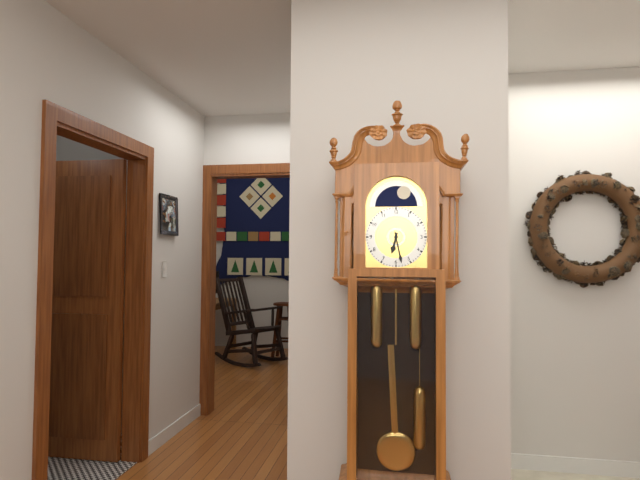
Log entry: 6h28
